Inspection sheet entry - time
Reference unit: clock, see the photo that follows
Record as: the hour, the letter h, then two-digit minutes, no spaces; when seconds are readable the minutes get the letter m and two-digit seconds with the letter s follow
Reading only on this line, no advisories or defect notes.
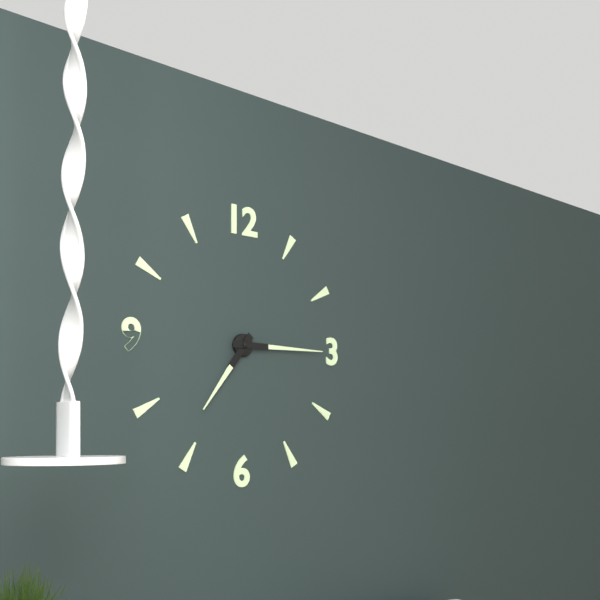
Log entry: 7h15
